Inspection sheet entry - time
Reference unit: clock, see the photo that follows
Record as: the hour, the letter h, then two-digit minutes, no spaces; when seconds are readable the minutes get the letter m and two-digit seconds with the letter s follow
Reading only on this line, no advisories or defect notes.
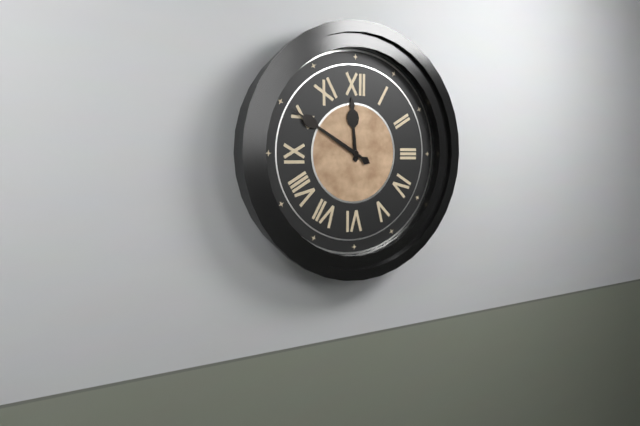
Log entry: 11h50
